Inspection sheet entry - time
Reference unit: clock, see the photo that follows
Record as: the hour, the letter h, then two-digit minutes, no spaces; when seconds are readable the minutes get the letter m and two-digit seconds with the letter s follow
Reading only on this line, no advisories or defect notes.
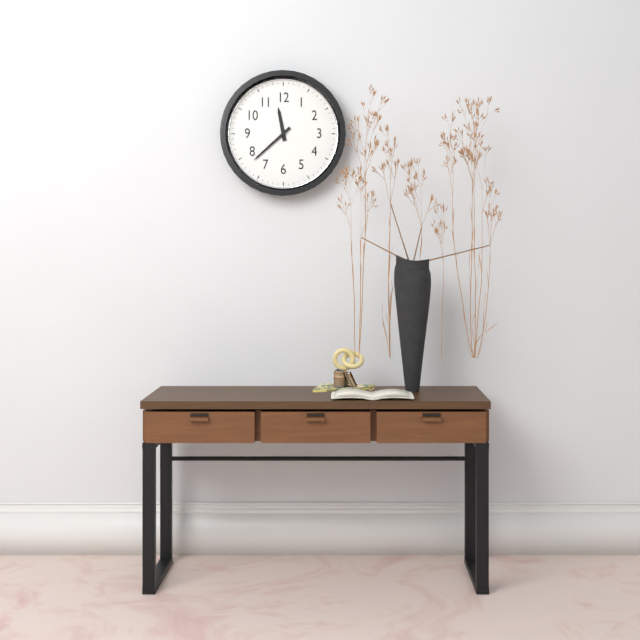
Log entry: 11h38
